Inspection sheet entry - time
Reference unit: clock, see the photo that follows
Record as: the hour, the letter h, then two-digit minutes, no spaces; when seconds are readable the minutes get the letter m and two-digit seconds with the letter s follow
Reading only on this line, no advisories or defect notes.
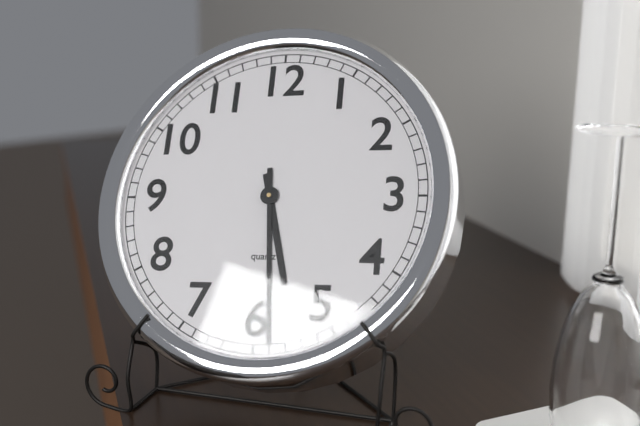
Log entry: 5h29
